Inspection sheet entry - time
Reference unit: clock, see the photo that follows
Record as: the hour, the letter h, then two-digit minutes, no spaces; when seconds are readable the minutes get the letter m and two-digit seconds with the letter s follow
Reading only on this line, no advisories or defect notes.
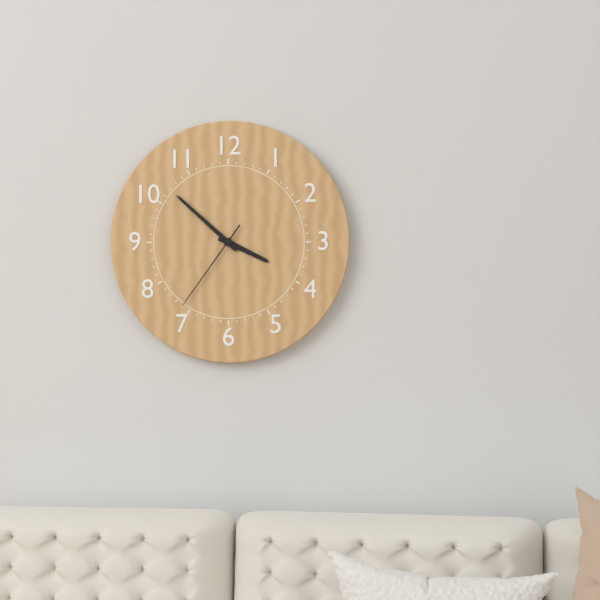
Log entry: 3h52m36s
